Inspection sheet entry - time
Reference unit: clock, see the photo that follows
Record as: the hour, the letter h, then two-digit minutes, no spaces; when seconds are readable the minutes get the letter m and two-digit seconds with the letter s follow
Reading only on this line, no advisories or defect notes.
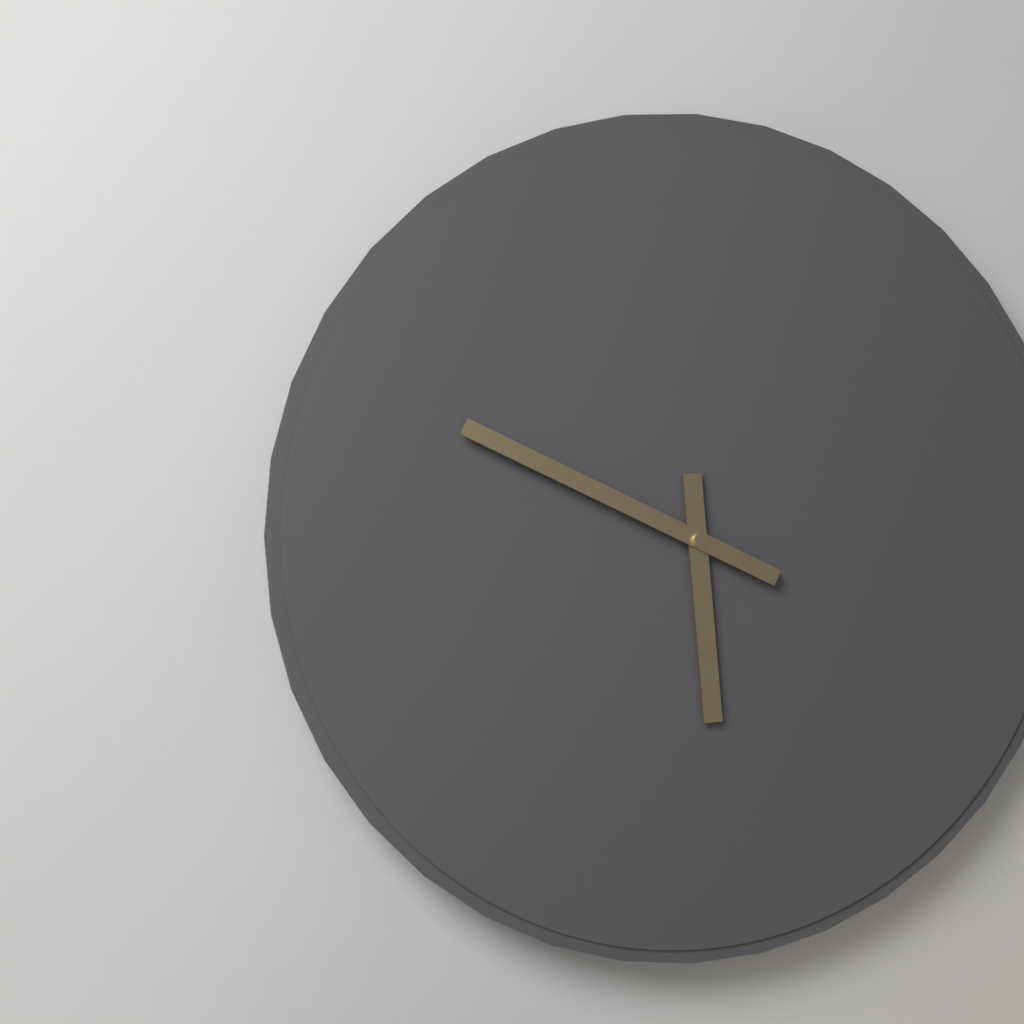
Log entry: 5h49
